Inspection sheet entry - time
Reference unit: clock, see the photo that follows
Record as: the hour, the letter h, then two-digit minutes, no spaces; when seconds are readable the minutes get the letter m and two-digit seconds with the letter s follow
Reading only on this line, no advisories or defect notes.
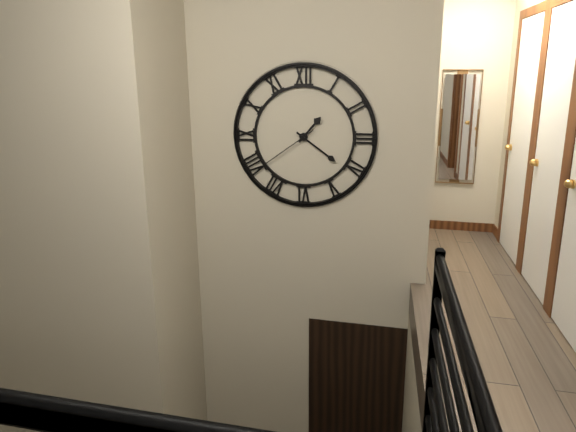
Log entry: 1h21m39s
